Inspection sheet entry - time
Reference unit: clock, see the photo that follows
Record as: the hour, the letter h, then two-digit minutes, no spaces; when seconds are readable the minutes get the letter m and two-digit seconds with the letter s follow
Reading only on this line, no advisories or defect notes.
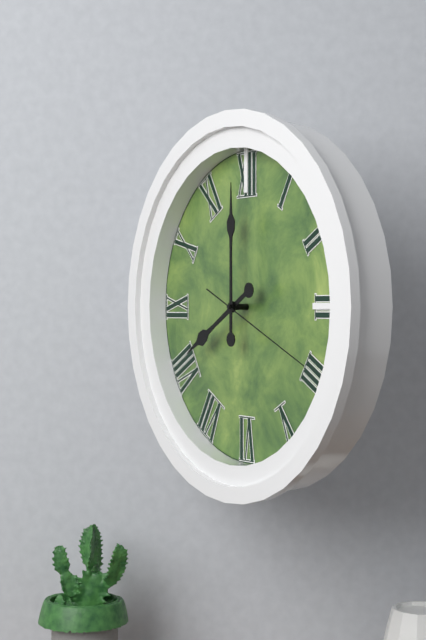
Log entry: 8h00m19s
